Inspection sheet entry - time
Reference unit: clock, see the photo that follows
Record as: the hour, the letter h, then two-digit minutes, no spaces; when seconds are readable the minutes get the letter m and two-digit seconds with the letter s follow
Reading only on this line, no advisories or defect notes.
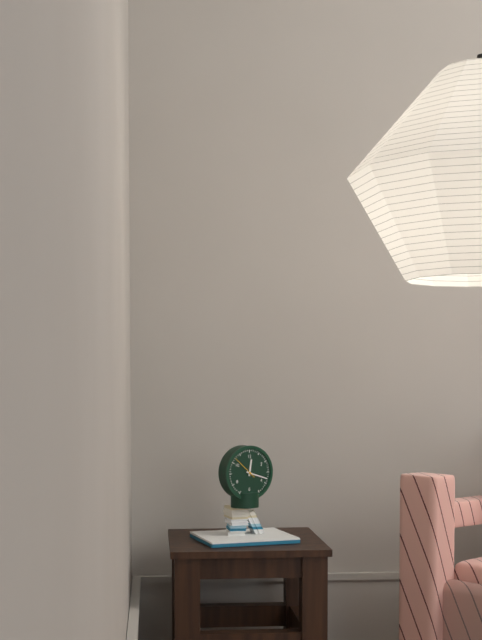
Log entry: 12h18
